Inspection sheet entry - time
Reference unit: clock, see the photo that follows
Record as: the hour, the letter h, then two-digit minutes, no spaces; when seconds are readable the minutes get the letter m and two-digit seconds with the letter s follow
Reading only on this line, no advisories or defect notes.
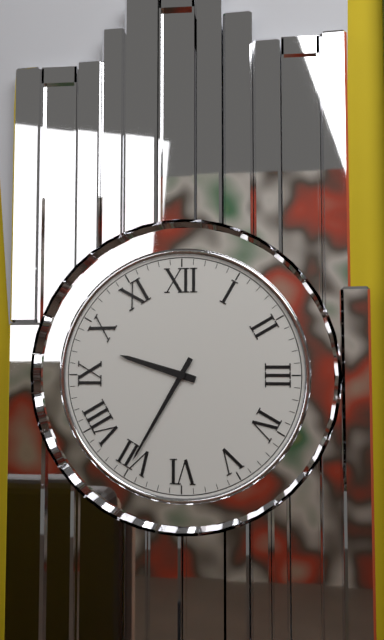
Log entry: 9h35
